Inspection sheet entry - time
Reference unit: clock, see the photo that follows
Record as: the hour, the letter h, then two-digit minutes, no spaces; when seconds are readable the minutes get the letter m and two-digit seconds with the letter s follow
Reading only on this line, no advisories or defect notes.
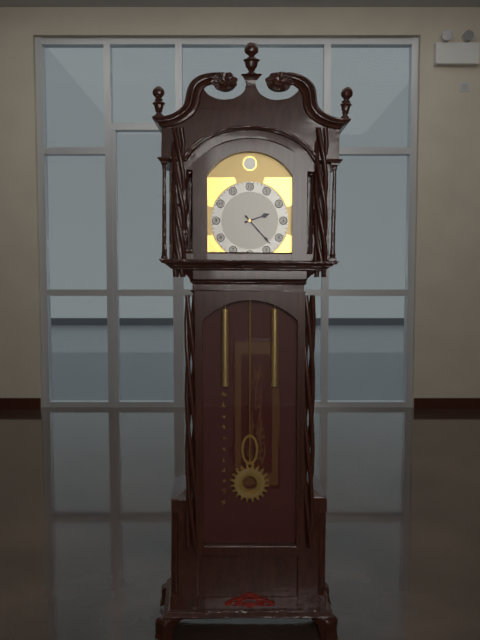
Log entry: 2h23
